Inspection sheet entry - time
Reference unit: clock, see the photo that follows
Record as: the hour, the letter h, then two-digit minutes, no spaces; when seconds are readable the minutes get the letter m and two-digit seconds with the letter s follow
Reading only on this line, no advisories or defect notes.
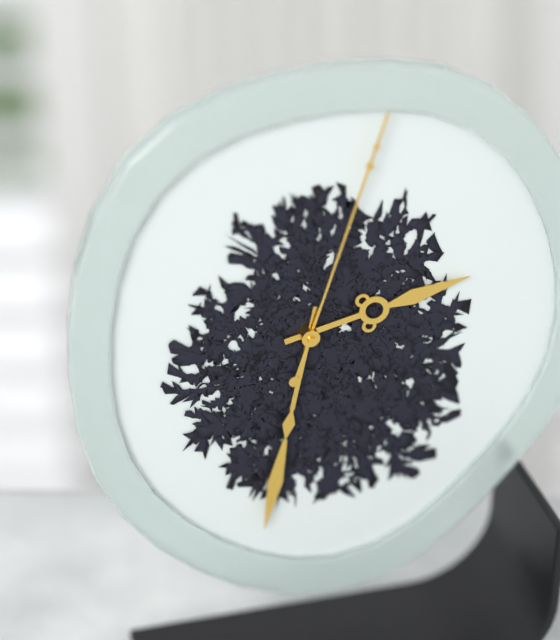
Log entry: 2h32m03s
